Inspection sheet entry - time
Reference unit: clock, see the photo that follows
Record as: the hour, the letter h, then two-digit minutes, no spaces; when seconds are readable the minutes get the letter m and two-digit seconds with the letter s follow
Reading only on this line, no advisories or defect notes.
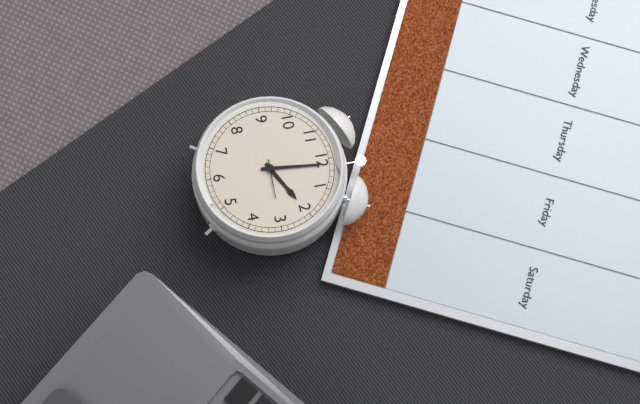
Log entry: 2h01
